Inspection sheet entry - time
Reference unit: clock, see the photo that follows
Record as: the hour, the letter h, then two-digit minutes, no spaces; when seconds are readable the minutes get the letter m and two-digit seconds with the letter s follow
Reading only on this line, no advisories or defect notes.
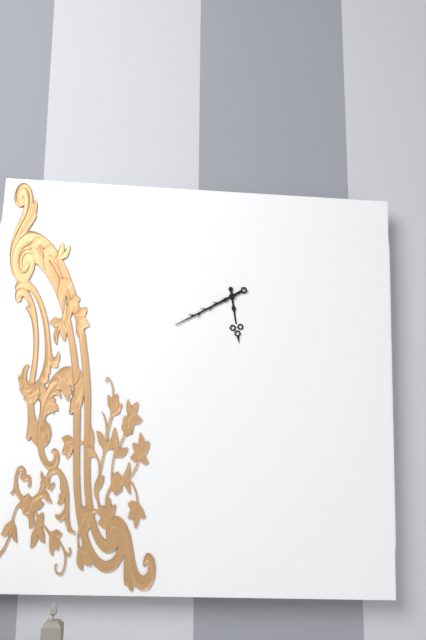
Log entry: 5h40
